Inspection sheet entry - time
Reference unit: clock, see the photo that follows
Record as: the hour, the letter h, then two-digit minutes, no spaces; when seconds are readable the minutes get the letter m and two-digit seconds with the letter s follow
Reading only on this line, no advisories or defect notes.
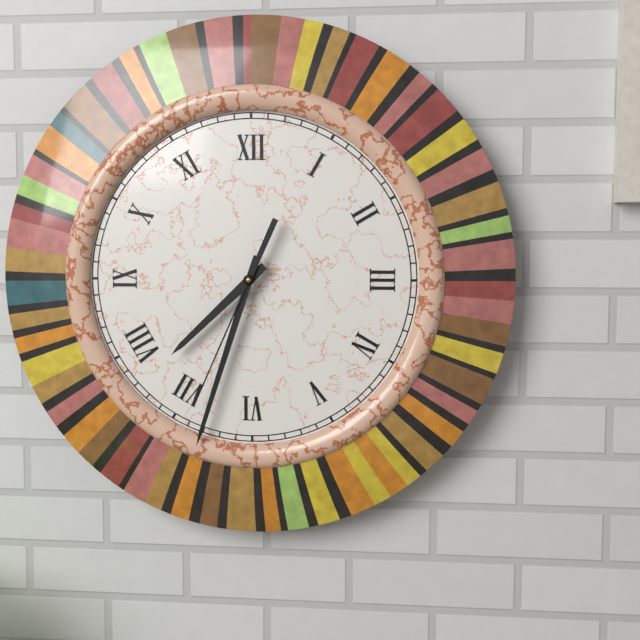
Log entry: 7h33m34s
